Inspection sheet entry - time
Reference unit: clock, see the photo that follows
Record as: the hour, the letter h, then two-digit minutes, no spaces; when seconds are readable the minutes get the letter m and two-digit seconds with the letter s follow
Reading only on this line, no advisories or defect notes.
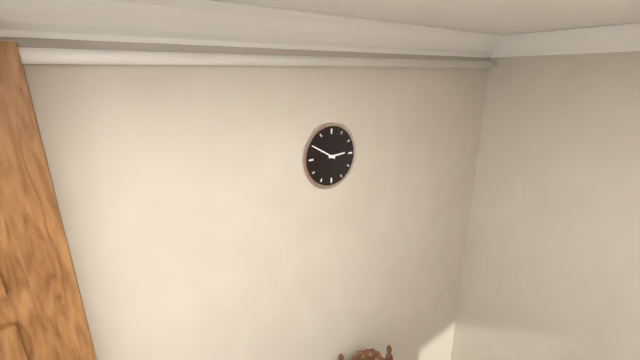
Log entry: 2h50
